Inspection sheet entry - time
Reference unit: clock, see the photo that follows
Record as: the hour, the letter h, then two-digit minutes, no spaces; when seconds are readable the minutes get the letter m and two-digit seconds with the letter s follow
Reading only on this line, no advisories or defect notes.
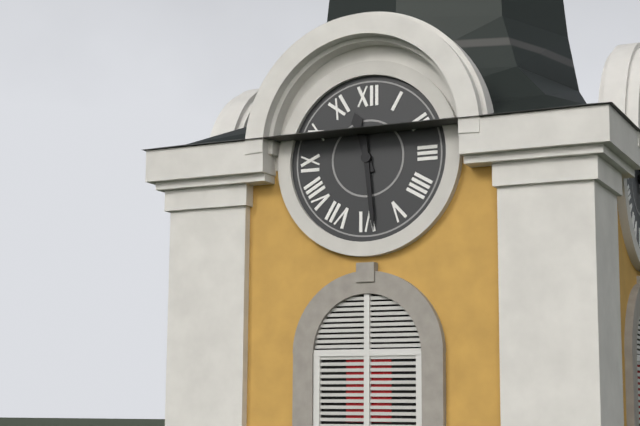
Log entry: 11h29
